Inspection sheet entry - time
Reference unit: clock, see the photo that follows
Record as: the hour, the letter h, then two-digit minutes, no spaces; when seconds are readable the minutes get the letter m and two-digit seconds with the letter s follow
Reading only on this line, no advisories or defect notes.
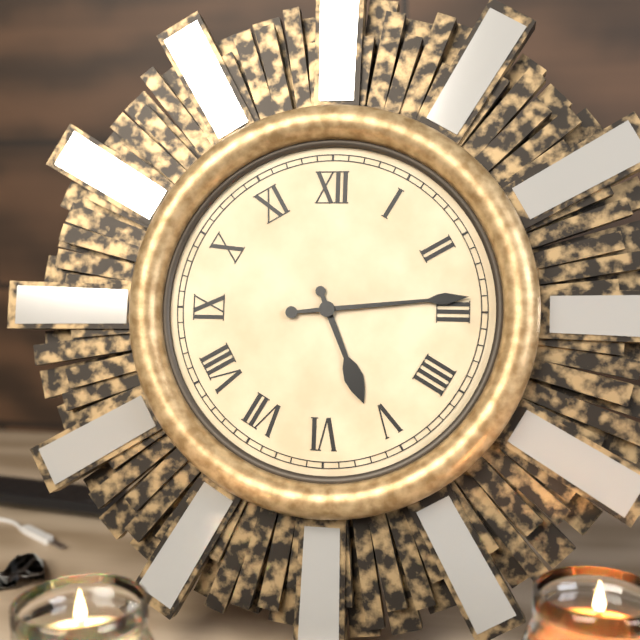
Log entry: 5h14
